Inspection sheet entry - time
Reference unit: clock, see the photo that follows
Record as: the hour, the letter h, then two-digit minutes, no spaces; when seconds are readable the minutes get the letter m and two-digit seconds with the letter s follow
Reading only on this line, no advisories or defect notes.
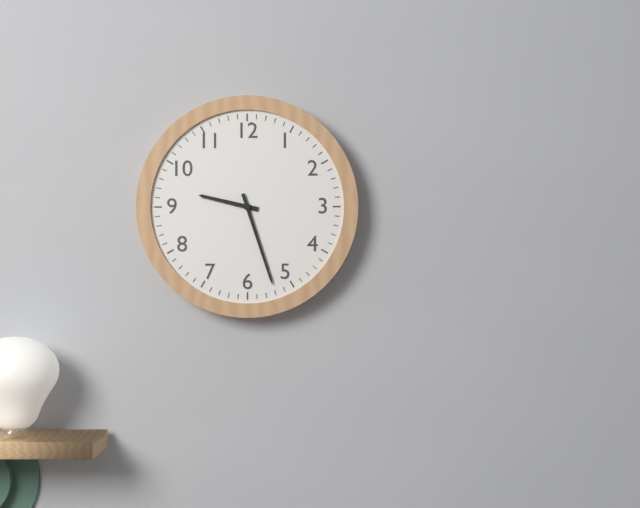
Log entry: 9h27
